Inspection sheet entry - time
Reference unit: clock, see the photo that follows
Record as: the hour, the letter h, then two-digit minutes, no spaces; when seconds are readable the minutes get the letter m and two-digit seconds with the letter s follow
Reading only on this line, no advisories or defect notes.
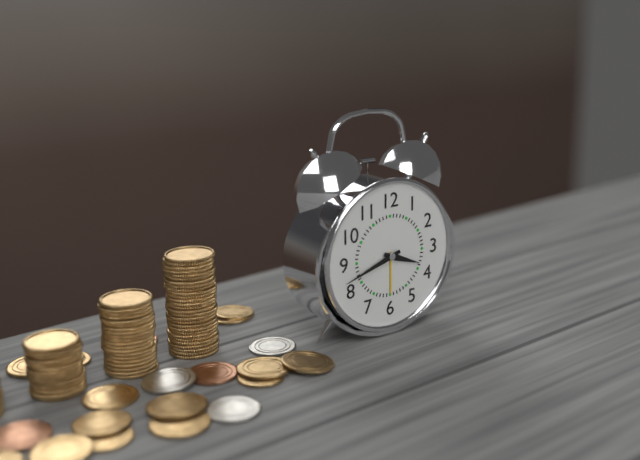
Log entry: 3h42
